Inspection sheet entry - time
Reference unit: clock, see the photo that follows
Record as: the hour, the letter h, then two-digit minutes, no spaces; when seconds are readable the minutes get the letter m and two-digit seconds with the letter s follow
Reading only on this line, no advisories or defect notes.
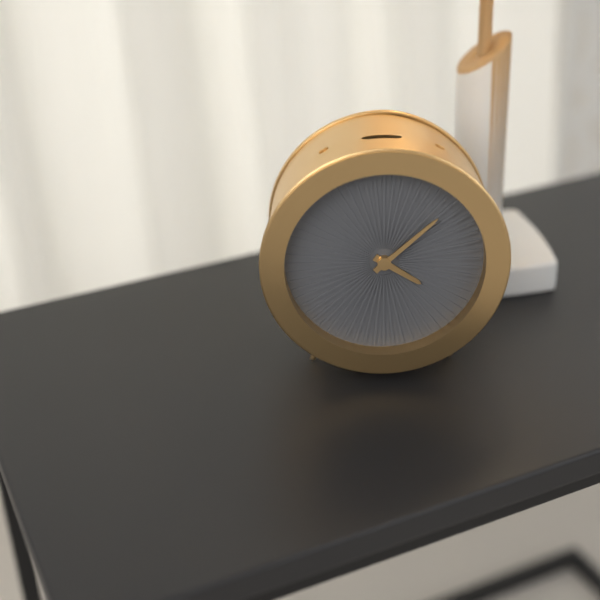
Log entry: 4h08
